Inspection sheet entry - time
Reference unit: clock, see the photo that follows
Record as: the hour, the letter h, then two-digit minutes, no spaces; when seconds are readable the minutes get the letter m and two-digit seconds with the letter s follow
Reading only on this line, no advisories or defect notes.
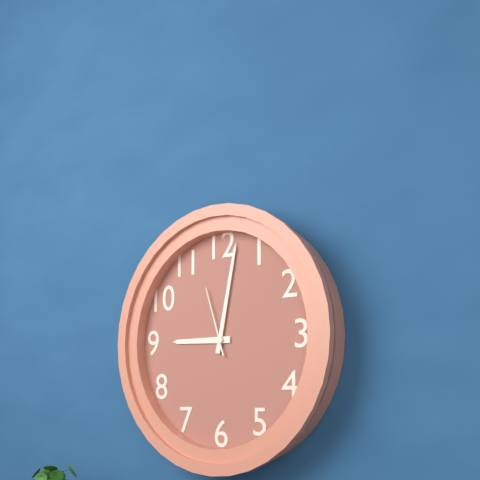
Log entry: 9h02m57s
